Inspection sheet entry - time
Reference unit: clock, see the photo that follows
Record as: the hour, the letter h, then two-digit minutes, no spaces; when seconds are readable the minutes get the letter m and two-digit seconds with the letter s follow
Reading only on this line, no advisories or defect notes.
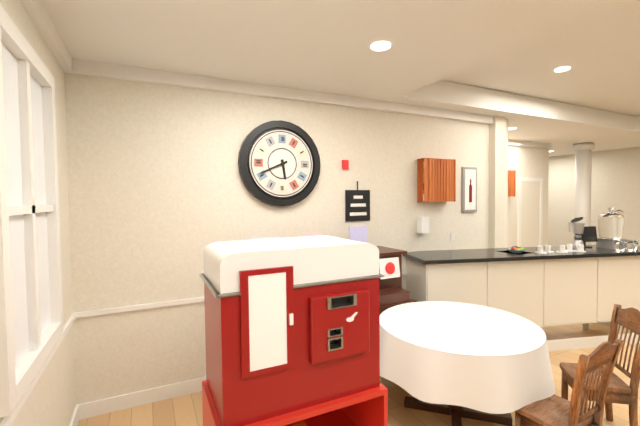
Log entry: 5h41
